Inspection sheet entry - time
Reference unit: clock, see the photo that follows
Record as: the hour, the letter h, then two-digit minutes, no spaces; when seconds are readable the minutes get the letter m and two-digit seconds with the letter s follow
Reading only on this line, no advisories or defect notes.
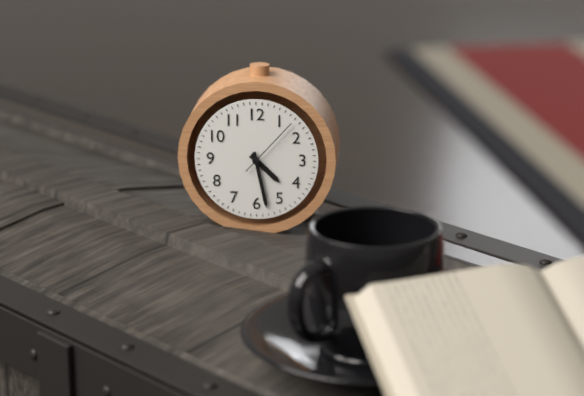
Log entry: 4h28m07s
